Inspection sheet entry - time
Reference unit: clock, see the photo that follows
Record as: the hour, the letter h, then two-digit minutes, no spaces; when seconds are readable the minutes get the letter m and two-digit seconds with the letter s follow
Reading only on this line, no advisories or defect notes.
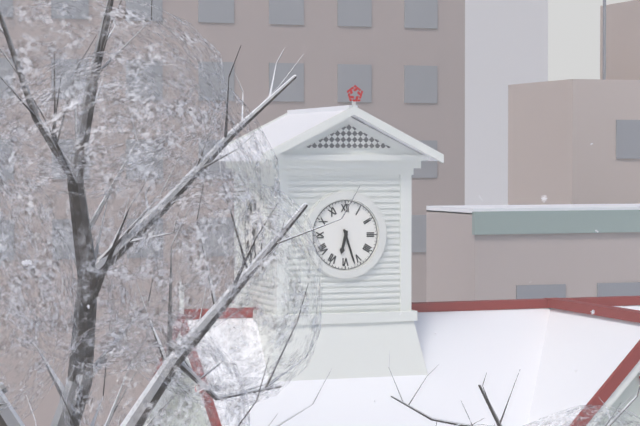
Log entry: 6h27
